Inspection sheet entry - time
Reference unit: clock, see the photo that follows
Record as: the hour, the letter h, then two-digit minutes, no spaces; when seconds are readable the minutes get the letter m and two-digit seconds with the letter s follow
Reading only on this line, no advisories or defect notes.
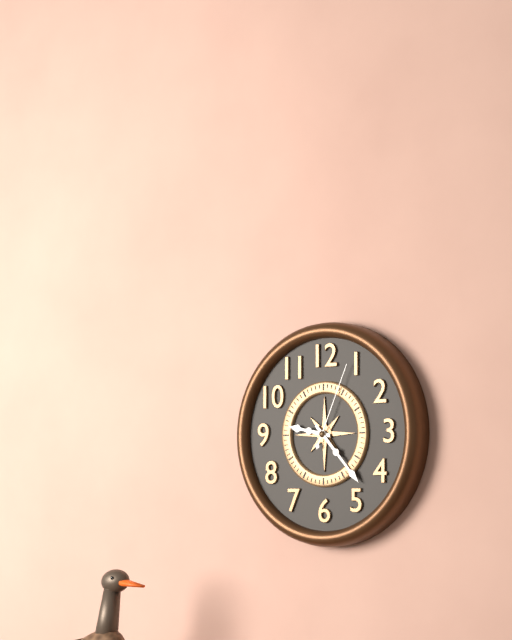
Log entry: 9h23m04s
